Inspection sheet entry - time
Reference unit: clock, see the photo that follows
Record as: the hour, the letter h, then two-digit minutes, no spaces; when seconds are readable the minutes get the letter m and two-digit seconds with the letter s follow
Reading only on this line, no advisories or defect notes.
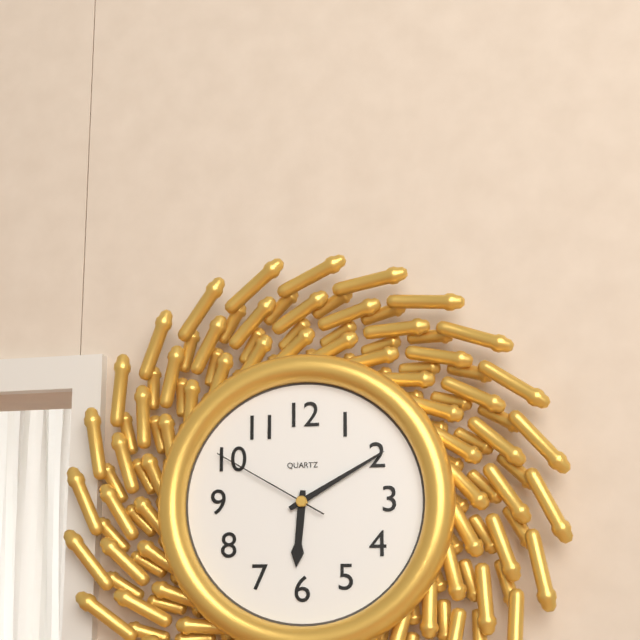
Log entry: 6h10m50s
